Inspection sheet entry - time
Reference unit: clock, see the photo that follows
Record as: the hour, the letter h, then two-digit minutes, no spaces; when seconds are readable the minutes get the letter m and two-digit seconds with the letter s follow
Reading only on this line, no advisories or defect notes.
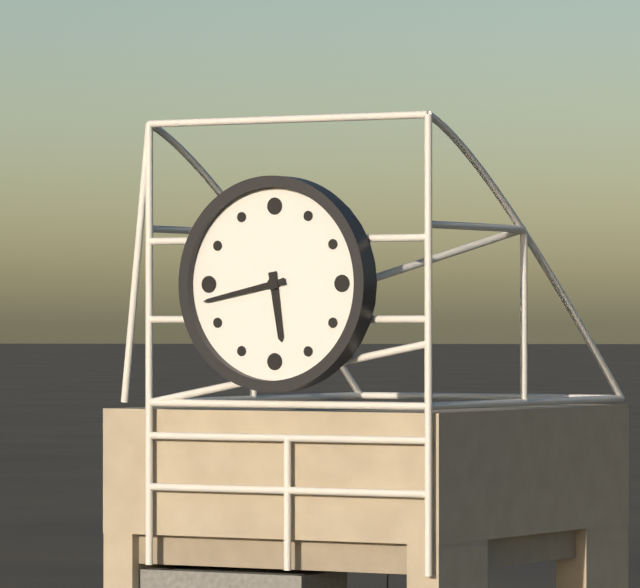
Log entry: 5h43
